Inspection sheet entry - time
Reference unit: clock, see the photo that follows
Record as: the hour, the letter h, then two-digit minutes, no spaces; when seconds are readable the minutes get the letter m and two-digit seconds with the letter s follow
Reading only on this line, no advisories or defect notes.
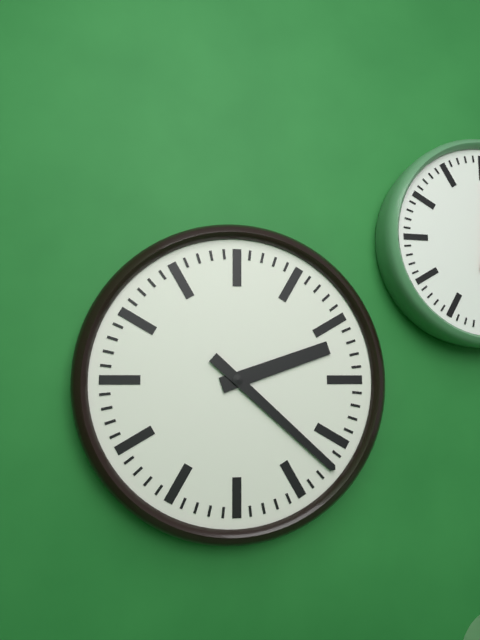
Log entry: 2h22
